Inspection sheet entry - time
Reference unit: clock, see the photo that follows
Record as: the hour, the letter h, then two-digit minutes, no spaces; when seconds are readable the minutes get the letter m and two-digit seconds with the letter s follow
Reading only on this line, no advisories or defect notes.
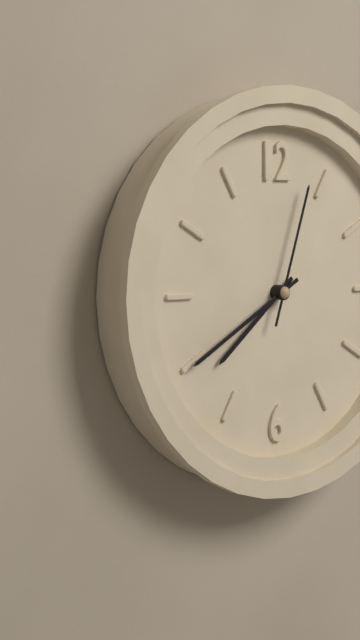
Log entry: 7h40m03s
